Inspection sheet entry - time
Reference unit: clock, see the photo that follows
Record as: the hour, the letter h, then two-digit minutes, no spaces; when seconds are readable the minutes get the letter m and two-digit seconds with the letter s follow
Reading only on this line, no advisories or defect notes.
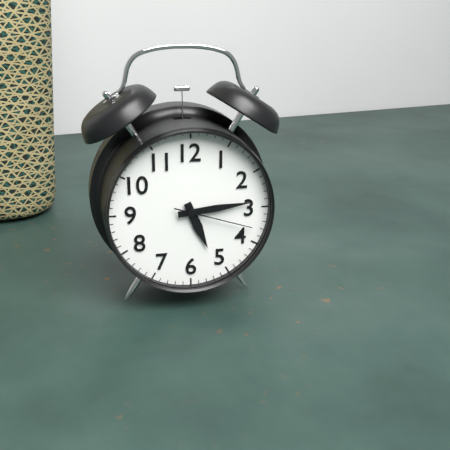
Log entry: 5h14m18s
